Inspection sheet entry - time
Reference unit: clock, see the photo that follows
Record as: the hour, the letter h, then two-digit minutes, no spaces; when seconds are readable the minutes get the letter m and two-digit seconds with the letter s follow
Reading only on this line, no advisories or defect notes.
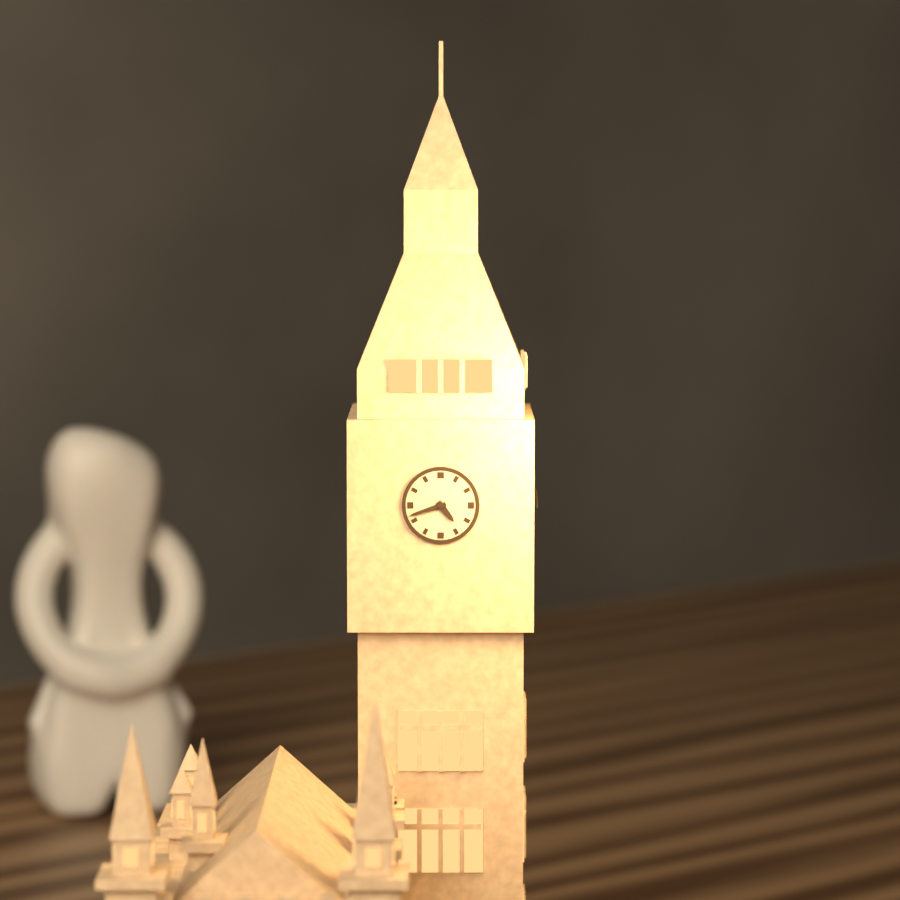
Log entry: 4h42
